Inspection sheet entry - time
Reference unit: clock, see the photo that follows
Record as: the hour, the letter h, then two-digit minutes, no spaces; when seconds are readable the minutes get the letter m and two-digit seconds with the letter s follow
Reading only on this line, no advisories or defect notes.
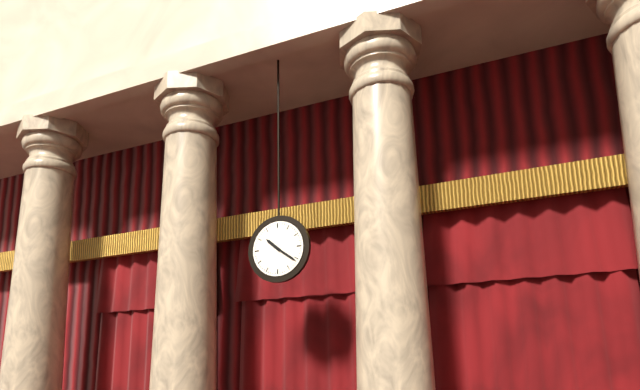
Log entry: 10h21
